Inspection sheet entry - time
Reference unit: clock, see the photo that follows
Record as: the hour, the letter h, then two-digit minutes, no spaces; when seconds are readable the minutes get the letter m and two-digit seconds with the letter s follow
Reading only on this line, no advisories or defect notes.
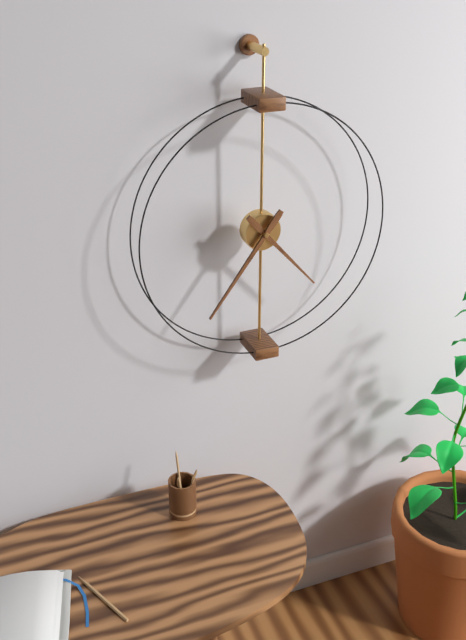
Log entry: 4h36
